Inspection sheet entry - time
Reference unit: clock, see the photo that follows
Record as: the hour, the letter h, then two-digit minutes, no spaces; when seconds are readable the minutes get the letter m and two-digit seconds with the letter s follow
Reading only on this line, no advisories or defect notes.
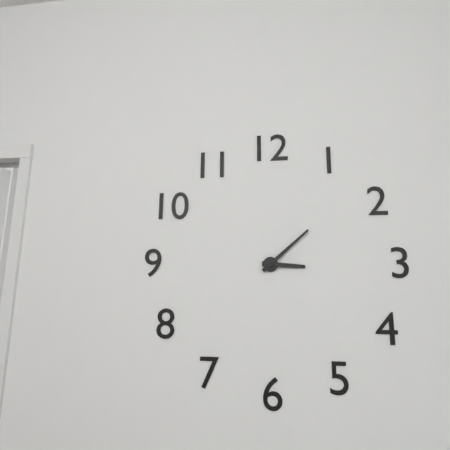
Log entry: 3h08
